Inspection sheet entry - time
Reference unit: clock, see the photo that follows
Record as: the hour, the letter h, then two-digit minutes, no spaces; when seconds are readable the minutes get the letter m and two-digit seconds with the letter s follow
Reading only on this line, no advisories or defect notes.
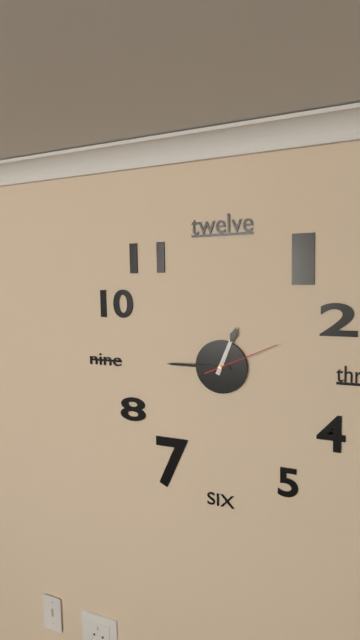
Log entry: 12h45m11s
